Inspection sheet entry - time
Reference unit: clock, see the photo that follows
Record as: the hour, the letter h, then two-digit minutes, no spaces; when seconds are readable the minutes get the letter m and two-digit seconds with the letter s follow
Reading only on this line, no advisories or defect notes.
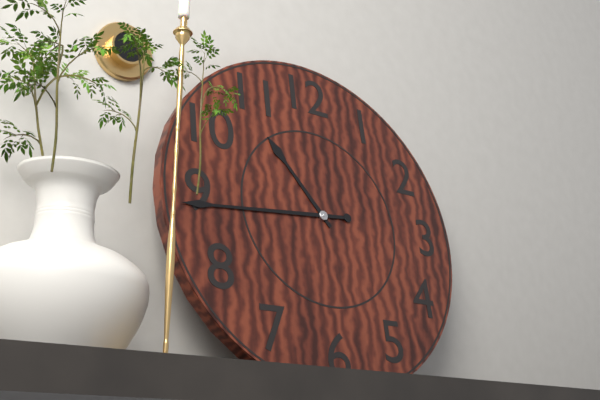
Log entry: 10h44
